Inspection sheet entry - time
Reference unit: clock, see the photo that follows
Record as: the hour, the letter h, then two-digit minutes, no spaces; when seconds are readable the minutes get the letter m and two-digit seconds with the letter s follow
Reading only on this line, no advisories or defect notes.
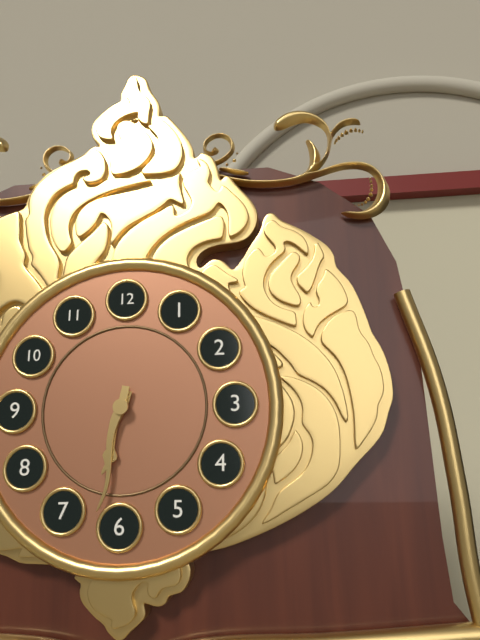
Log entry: 6h32
